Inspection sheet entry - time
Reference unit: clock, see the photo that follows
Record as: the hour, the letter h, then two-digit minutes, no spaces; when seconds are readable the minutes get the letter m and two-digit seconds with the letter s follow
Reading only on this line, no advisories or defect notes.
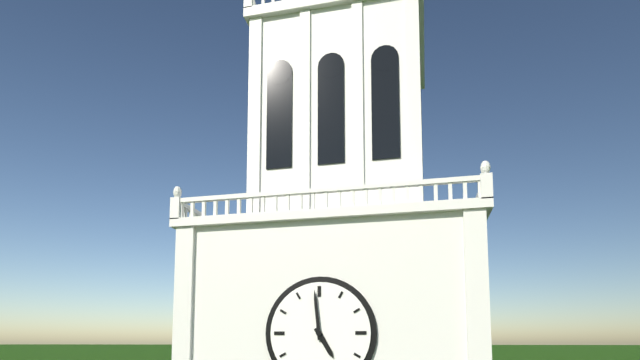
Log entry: 4h59
